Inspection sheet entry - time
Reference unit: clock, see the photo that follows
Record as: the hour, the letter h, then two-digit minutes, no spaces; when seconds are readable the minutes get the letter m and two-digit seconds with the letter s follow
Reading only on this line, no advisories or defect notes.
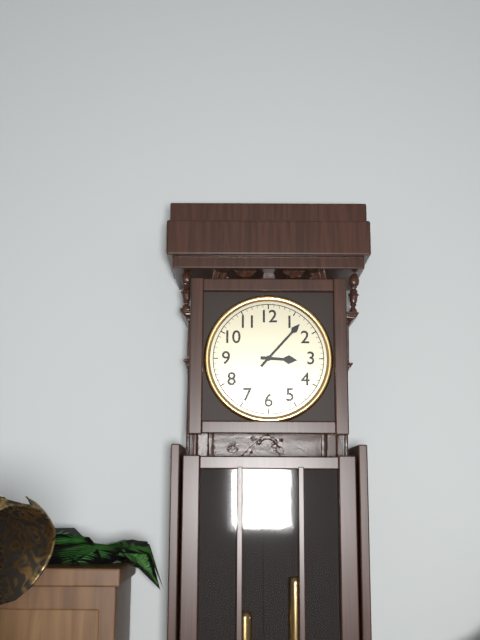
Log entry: 3h07
